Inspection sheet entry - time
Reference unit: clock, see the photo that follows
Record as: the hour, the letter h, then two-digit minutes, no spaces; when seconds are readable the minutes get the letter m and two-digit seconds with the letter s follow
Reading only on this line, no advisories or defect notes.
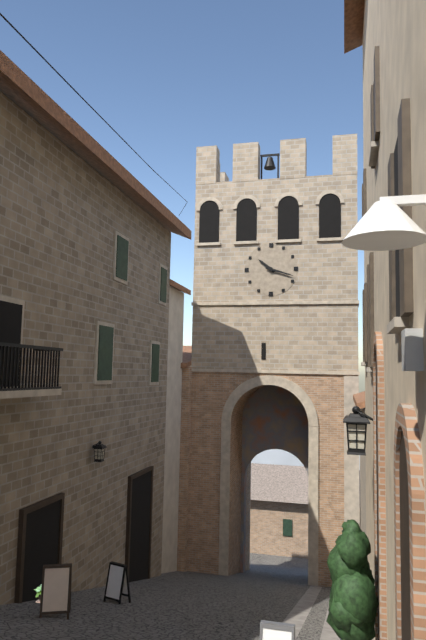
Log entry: 10h18
